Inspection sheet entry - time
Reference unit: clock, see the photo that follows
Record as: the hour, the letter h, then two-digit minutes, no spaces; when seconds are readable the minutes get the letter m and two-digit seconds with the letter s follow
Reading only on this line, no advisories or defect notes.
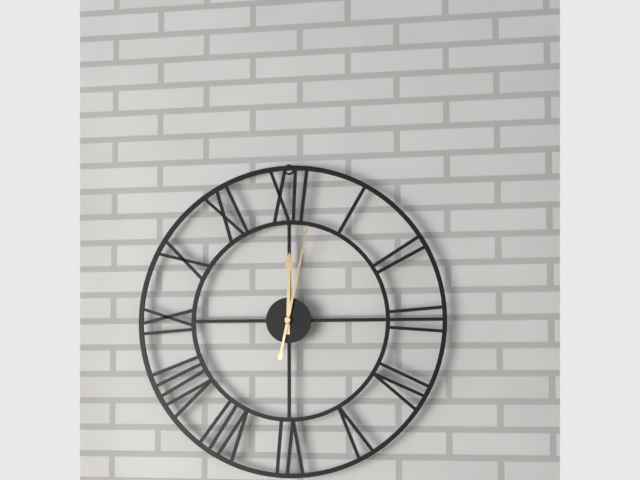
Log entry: 12h02
